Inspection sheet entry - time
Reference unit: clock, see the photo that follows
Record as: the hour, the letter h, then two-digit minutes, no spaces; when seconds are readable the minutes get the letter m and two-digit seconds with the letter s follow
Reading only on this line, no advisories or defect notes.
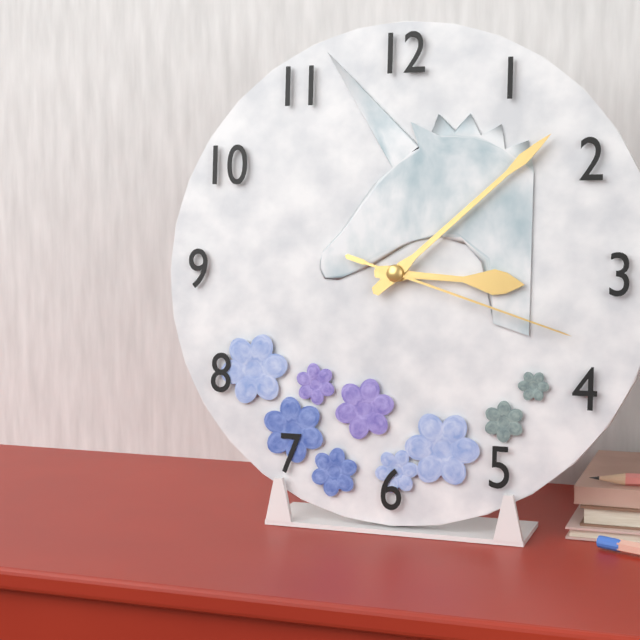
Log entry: 3h08m18s
